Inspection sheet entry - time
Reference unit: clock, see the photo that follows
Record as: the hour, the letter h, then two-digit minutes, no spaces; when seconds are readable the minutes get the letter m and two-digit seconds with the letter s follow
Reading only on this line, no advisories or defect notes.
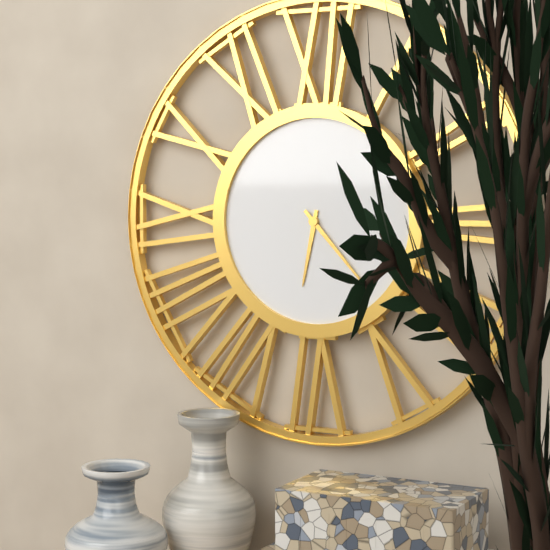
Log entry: 6h23
